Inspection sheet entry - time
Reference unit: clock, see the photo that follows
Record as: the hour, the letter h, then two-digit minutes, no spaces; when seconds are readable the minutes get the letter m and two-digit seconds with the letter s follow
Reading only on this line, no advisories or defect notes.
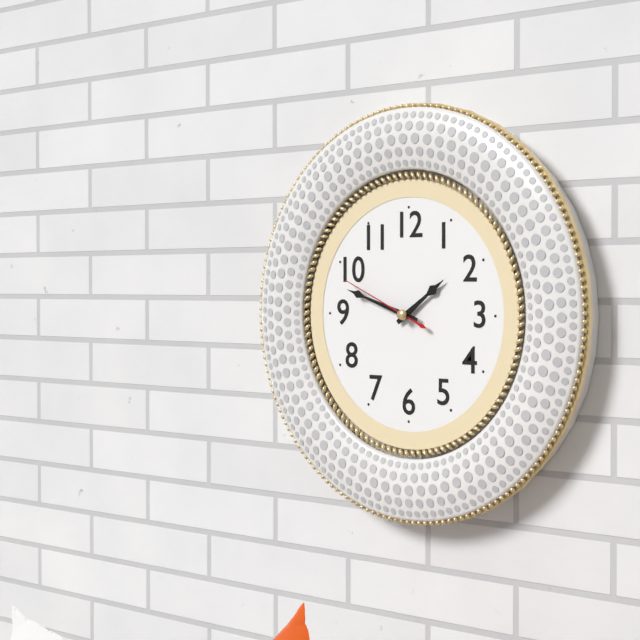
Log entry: 1h48m49s
